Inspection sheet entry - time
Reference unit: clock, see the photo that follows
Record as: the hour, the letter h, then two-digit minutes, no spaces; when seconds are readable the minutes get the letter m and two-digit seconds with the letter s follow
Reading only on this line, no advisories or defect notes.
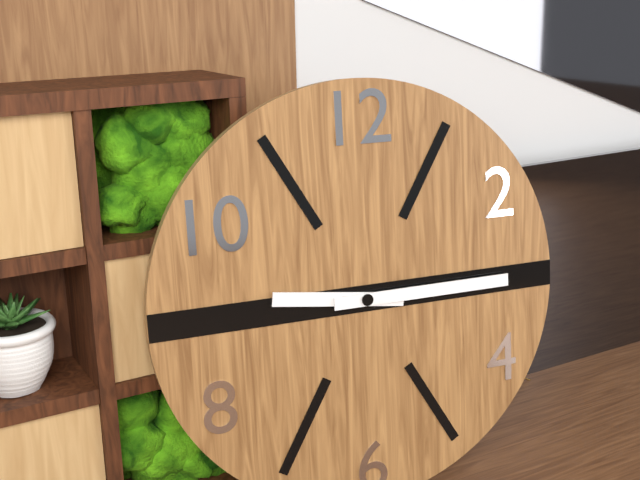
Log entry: 9h15
